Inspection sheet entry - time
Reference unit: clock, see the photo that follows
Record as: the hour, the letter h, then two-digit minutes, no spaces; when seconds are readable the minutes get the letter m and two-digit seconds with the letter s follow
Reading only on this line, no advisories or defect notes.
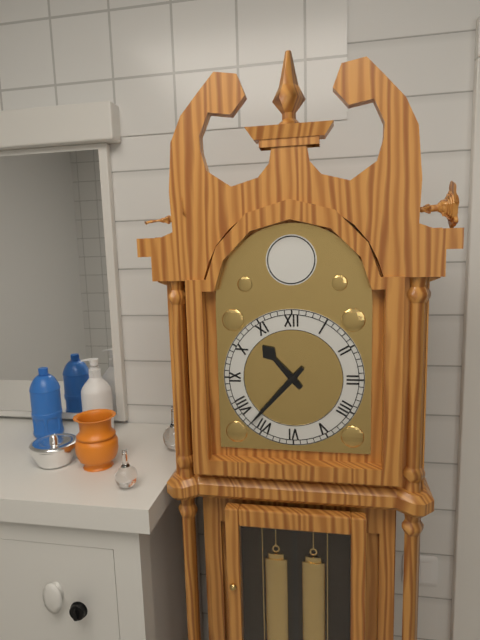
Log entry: 10h37
